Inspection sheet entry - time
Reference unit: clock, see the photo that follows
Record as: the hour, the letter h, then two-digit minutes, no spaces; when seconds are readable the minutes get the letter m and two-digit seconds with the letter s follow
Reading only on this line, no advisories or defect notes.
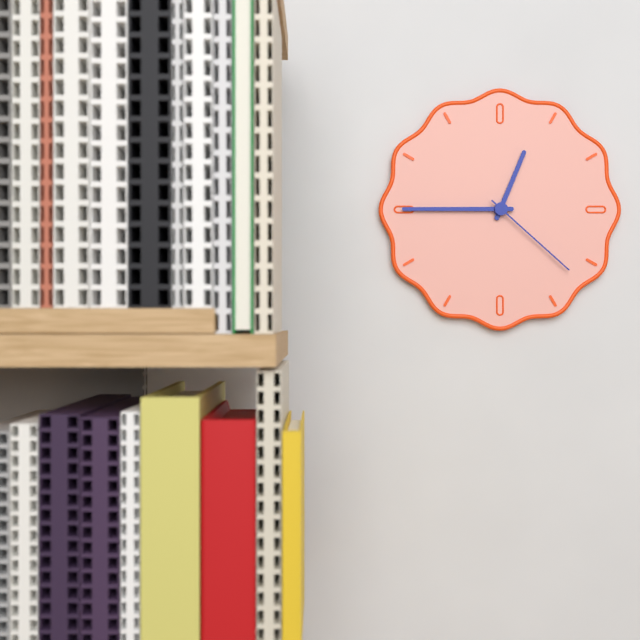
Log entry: 12h45m22s
